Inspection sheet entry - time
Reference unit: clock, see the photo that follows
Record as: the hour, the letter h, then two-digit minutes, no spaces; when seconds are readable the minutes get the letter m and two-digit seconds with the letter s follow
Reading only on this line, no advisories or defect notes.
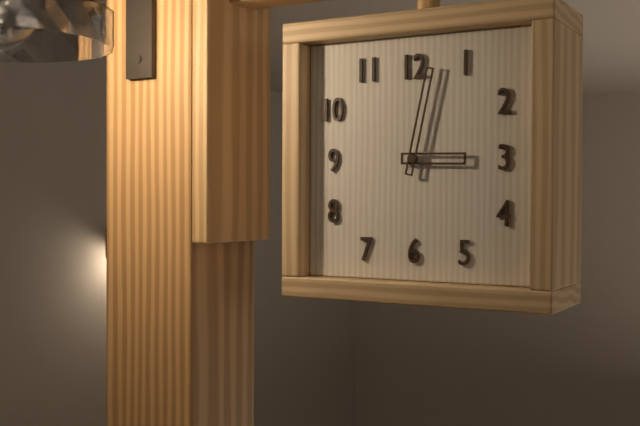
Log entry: 3h02
